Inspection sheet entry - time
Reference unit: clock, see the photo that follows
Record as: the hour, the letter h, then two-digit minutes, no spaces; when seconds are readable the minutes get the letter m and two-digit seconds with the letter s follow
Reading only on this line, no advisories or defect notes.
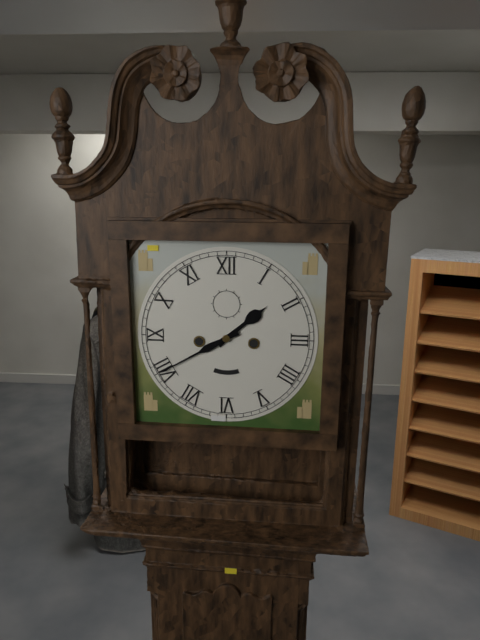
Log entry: 1h40
